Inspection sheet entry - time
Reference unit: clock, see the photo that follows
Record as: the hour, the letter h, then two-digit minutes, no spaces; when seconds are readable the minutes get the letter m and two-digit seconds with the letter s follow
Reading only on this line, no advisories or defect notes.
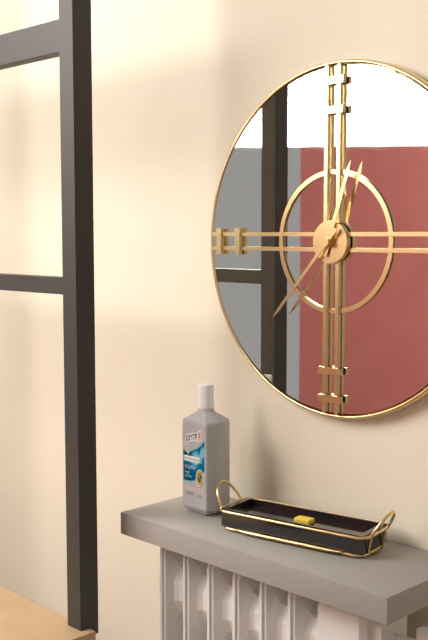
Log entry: 12h37
